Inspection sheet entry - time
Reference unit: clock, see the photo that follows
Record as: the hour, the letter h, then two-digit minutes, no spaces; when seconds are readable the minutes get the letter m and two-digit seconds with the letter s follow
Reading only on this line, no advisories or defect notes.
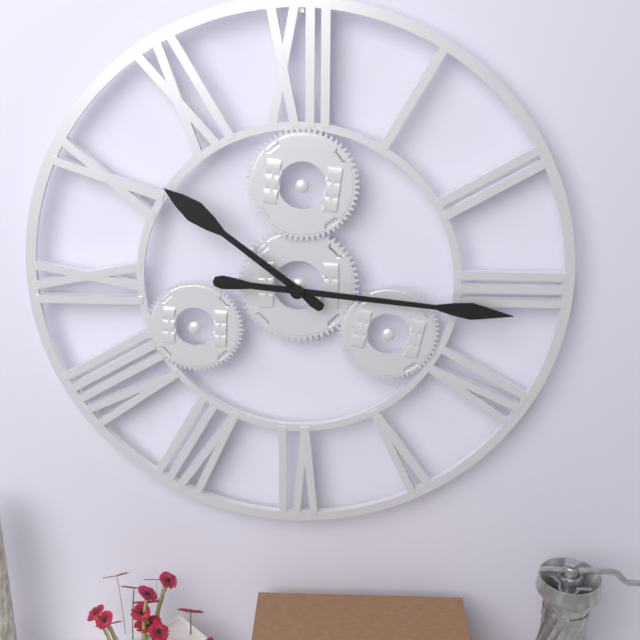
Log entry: 10h16
